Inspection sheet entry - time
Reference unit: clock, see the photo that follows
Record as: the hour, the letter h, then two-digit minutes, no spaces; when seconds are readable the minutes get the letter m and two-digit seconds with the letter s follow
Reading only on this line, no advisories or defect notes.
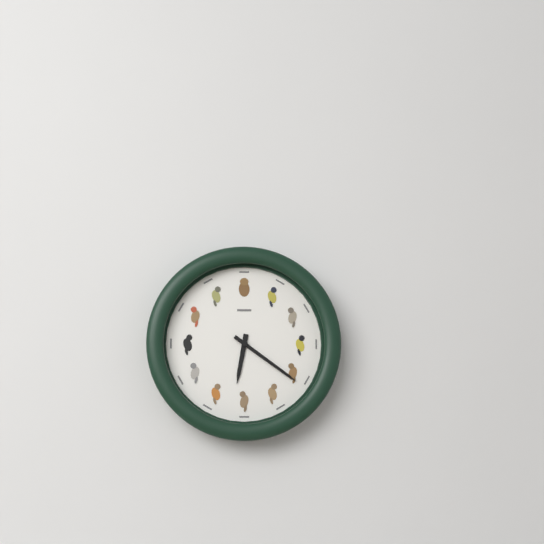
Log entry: 6h21
